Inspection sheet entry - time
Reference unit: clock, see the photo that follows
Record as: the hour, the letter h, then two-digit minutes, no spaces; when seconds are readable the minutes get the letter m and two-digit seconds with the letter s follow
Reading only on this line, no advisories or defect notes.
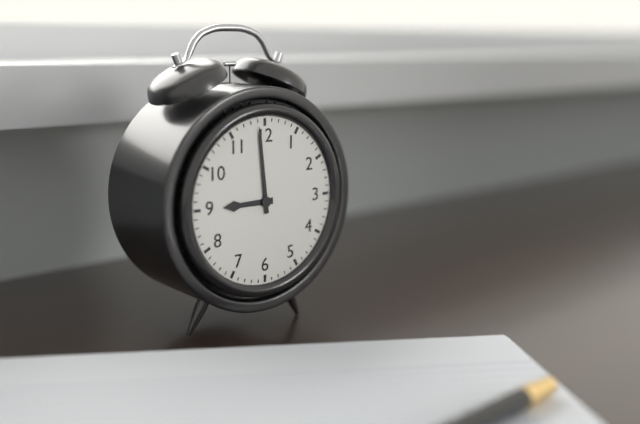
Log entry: 8h59
